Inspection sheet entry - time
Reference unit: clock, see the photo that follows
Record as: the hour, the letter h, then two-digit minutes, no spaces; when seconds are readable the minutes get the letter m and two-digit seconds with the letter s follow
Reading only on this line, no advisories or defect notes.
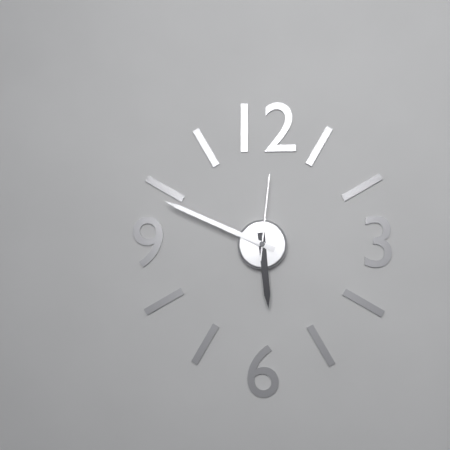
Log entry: 5h49m01s
